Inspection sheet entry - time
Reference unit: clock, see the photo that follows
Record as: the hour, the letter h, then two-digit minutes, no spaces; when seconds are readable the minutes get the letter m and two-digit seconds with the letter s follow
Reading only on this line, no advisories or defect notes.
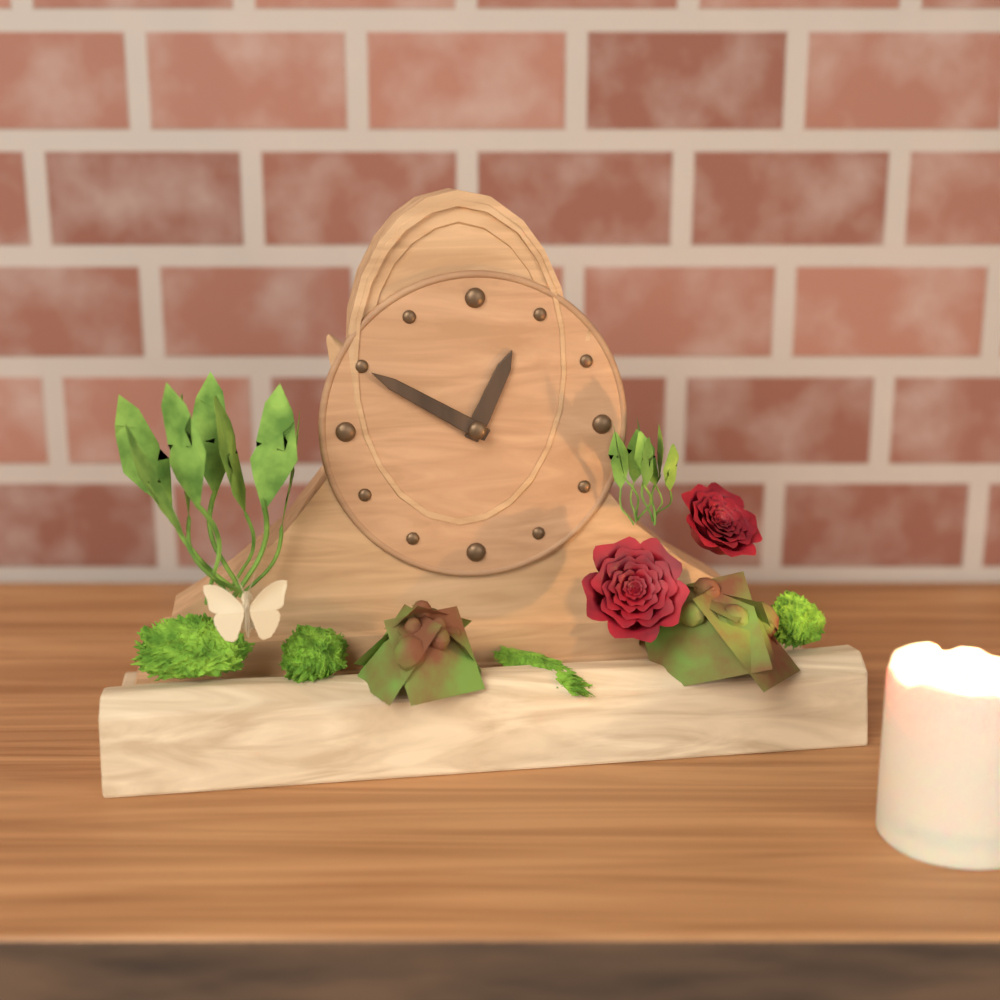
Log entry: 12h50
